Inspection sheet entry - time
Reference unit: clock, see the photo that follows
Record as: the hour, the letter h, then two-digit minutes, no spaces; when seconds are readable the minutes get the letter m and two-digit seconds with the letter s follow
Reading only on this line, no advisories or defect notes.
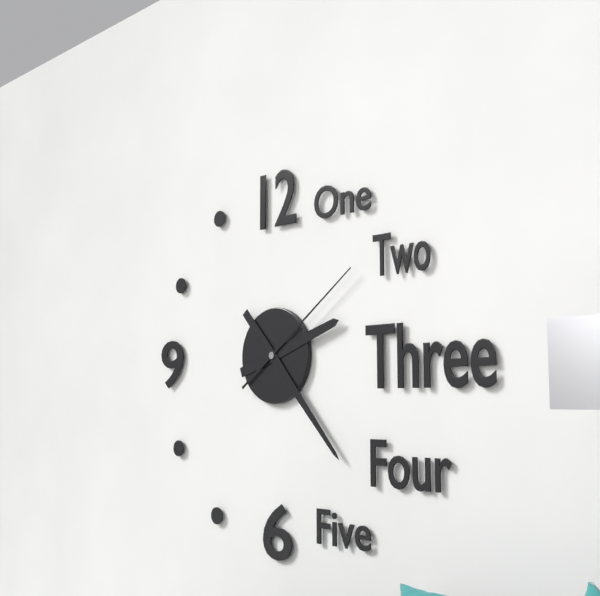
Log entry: 2h23m09s
